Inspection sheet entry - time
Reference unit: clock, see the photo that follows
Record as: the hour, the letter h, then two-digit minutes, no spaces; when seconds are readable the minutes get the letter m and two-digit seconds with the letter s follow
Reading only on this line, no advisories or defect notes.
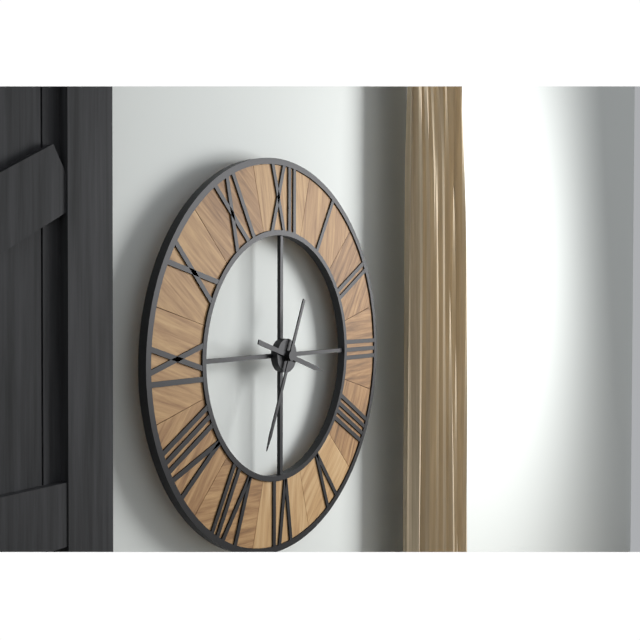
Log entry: 3h34
